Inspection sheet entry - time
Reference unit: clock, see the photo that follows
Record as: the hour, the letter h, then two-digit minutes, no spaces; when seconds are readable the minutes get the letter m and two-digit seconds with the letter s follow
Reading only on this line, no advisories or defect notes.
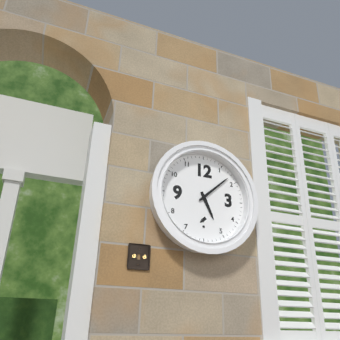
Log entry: 5h08
